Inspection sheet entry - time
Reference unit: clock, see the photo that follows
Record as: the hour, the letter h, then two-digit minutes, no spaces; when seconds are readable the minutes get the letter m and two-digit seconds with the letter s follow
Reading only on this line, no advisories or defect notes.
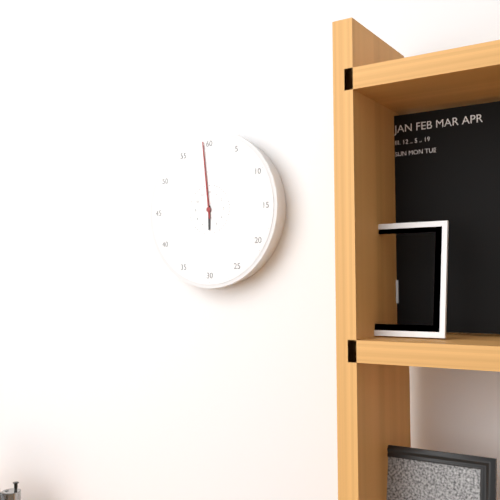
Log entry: 5h59
